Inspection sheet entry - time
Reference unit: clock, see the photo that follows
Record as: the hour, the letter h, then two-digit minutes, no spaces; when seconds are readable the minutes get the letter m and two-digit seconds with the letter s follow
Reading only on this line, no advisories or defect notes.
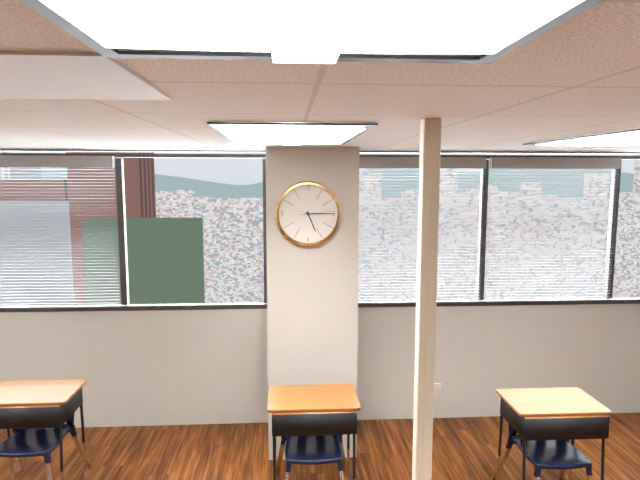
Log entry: 5h15
